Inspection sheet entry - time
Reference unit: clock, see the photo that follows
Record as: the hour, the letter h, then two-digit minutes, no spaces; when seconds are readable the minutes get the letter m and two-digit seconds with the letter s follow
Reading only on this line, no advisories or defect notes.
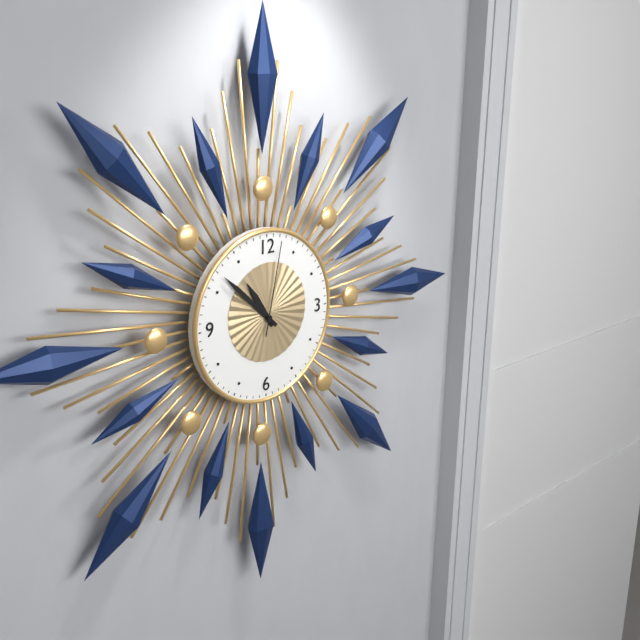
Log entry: 10h52m02s
